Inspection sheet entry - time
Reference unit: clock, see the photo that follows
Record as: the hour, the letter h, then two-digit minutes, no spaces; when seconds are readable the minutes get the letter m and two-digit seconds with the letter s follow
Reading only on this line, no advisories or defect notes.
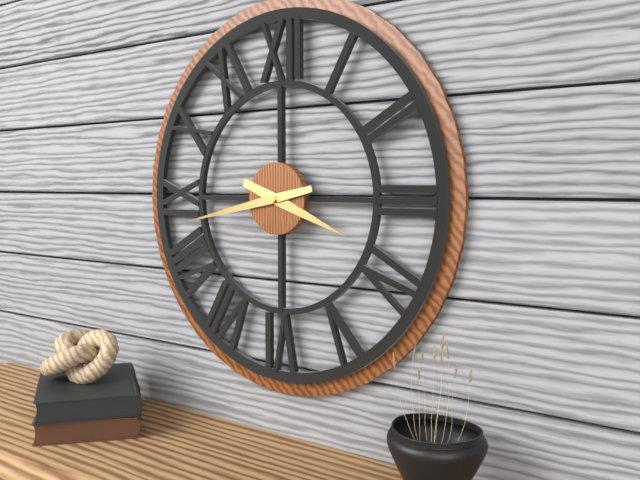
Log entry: 3h43
